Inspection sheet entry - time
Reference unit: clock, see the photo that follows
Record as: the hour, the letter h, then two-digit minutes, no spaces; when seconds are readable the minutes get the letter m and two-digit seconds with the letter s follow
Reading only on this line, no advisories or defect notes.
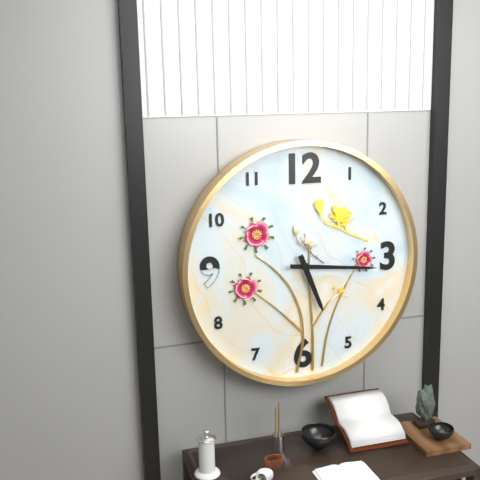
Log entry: 5h16
